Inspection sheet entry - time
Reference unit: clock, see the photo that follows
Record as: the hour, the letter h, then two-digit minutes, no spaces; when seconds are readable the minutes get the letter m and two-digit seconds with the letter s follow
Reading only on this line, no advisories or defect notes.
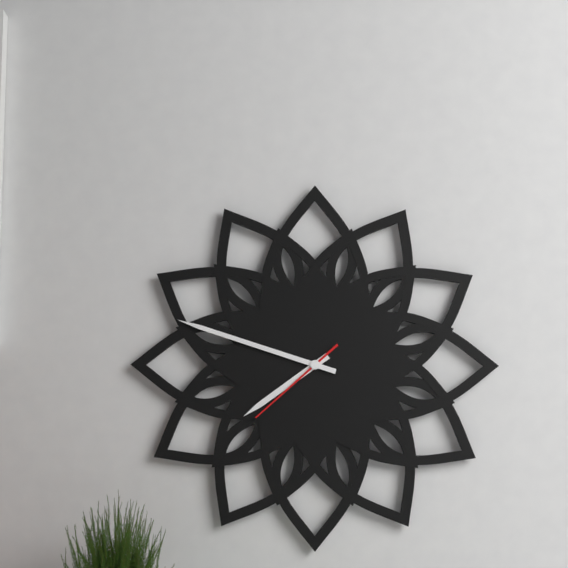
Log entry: 7h48m38s
